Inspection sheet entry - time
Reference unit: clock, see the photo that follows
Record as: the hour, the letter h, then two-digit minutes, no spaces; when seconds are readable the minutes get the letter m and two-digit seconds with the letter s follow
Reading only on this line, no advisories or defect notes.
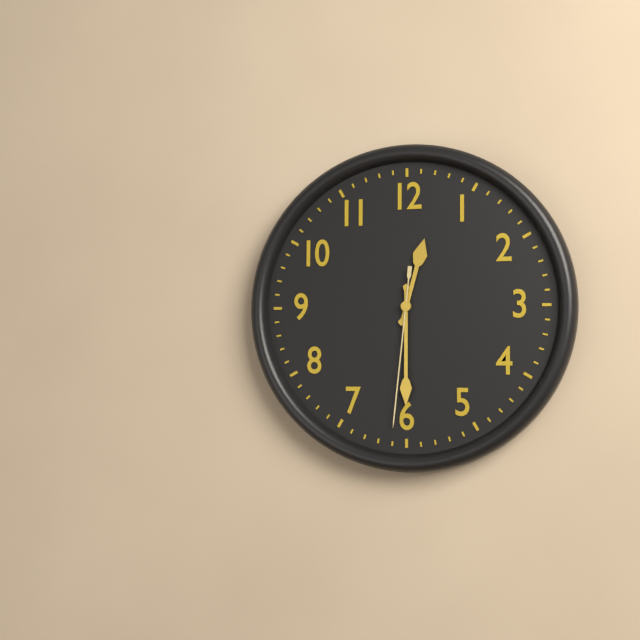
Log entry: 12h30m31s
